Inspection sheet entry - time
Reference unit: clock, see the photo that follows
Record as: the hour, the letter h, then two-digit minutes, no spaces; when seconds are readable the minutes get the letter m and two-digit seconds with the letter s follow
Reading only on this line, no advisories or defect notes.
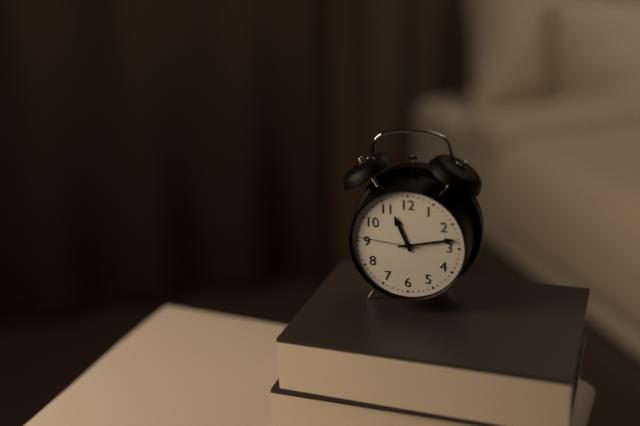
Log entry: 11h13m46s
